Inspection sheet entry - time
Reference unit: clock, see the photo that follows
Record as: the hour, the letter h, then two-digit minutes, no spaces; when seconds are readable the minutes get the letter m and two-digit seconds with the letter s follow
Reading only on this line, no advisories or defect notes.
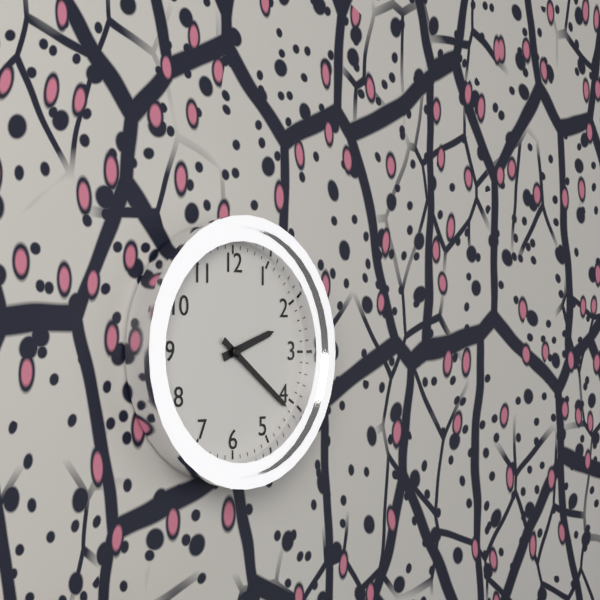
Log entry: 2h21
